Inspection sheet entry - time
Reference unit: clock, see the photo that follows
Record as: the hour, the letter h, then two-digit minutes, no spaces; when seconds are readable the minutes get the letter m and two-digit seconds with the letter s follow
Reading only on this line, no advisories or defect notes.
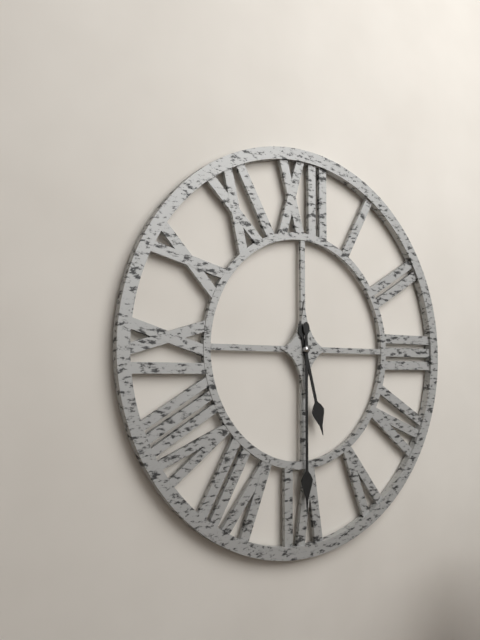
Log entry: 5h30
